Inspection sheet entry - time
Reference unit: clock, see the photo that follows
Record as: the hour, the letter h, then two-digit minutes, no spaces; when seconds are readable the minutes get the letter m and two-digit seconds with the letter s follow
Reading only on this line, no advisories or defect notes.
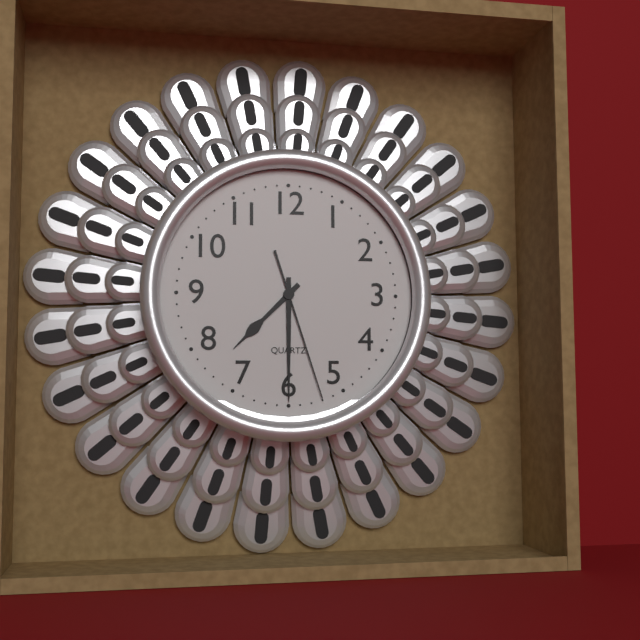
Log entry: 7h30m27s
